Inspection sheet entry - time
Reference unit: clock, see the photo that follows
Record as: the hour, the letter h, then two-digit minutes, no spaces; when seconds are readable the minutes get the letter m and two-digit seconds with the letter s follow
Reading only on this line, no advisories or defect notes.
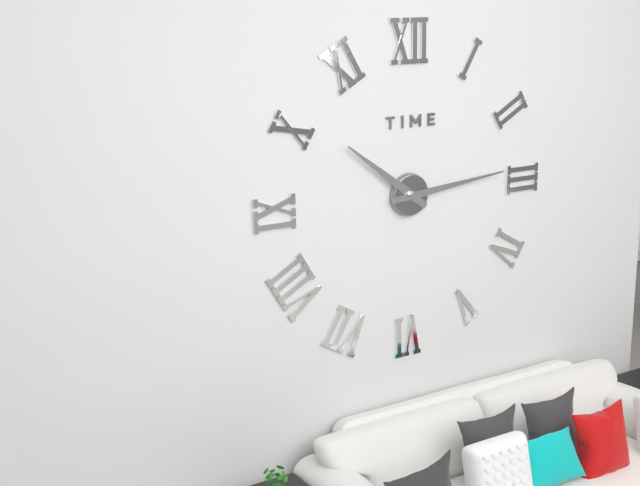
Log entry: 10h14
